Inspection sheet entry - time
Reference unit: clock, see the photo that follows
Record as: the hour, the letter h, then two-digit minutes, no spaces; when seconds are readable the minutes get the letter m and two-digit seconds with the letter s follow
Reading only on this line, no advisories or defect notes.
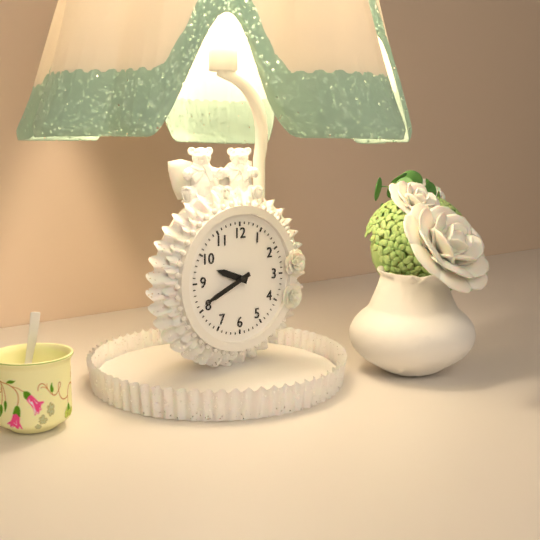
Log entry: 9h41
